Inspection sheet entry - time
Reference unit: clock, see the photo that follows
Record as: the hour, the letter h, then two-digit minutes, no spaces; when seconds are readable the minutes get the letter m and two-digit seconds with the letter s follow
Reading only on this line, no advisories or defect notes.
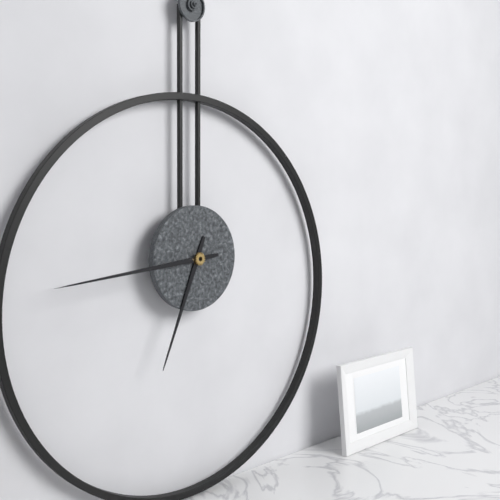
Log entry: 6h44
